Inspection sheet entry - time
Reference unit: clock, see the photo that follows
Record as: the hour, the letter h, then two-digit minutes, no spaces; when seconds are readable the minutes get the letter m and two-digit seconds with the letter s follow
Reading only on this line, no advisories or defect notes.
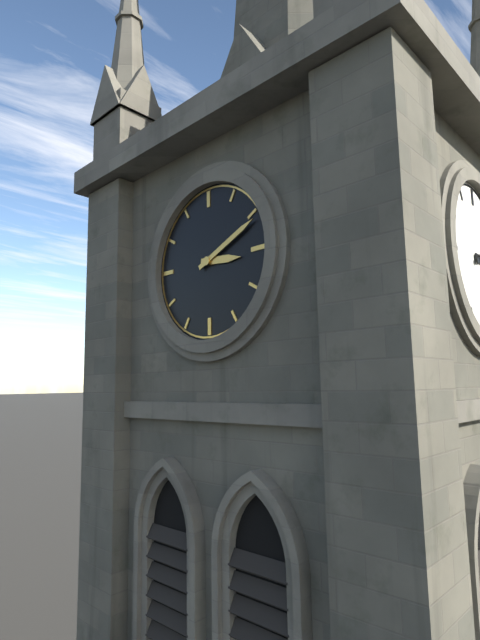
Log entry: 3h11
